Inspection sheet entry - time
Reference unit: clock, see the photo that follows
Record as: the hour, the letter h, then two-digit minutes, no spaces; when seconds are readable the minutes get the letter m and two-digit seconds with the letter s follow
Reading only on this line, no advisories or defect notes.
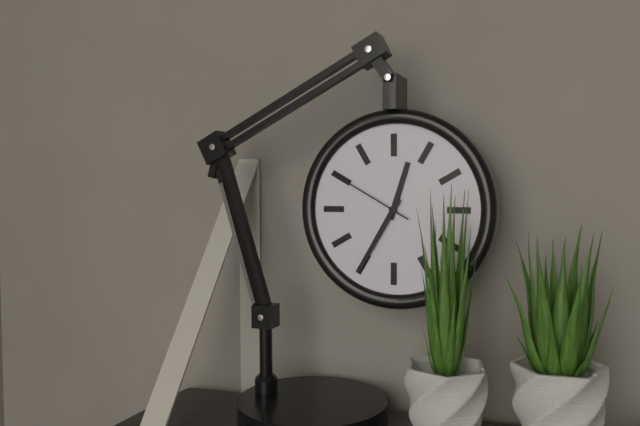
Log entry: 12h35m50s
